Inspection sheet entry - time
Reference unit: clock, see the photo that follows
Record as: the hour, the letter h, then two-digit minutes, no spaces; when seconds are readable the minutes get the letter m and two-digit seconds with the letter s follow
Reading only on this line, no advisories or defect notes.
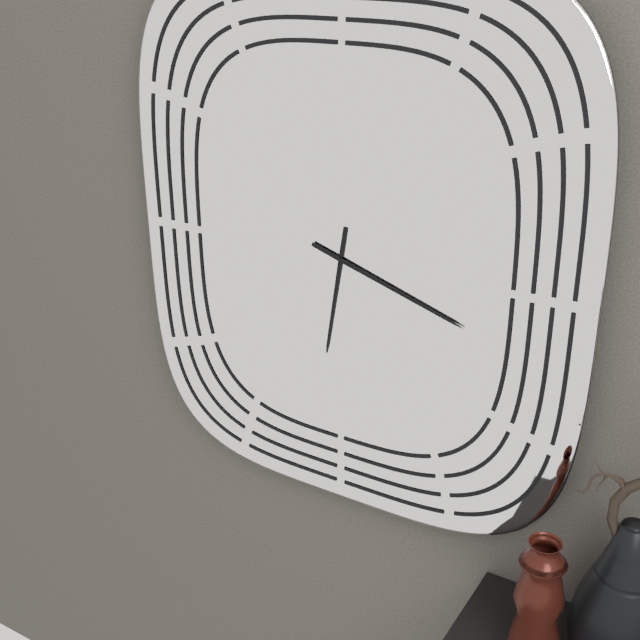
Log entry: 6h18
